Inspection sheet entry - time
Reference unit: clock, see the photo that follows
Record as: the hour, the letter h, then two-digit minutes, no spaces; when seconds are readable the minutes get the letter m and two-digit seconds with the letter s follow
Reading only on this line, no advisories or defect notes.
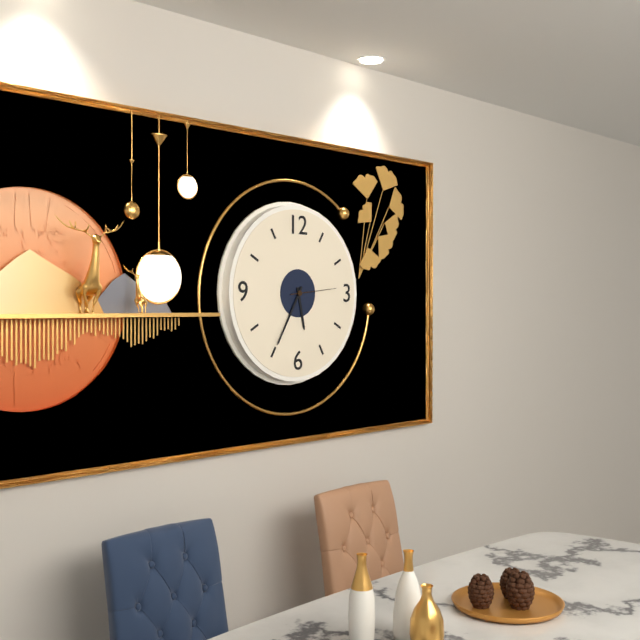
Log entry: 5h35
